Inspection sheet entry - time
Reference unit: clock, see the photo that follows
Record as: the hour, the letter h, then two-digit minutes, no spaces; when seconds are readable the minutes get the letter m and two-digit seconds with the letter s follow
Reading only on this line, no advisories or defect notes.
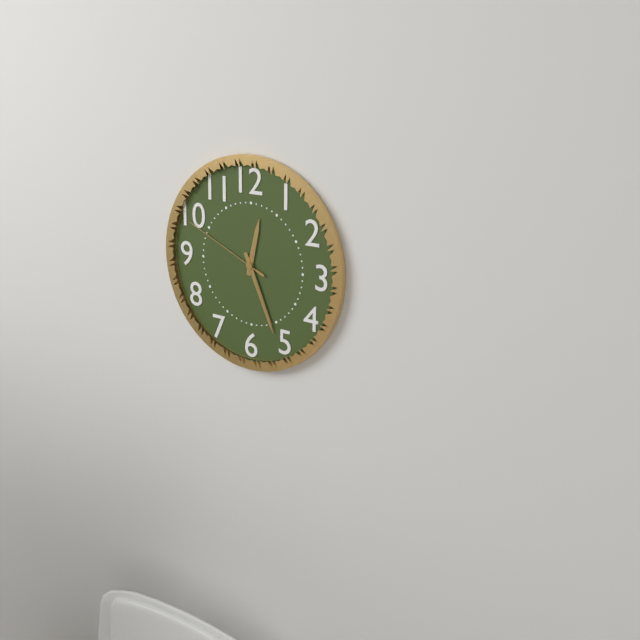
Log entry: 12h26m49s
